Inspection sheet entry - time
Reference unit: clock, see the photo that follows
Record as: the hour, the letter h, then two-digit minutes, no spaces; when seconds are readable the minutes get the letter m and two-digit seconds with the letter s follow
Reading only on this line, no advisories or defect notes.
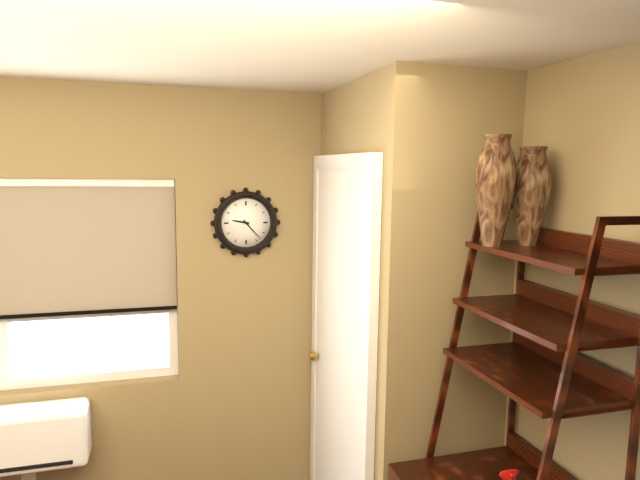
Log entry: 9h23
